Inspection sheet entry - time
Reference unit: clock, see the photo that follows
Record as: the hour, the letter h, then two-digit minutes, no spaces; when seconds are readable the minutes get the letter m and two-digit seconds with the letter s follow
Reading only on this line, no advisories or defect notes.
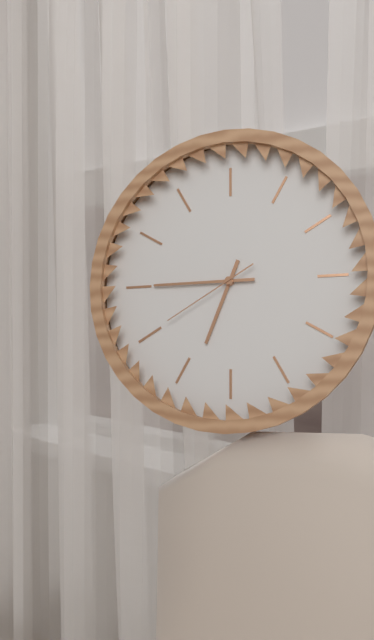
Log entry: 6h45m40s
